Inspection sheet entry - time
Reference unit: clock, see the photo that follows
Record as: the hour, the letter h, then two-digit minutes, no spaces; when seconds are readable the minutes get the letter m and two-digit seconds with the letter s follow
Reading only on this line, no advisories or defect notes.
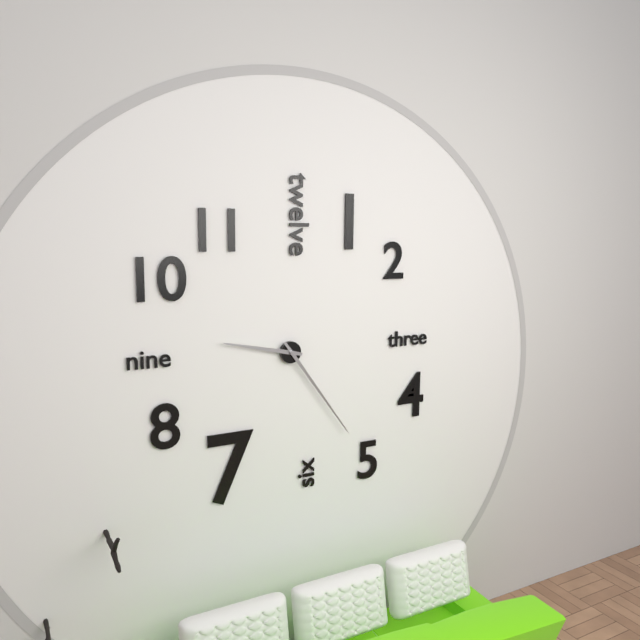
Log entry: 9h24
